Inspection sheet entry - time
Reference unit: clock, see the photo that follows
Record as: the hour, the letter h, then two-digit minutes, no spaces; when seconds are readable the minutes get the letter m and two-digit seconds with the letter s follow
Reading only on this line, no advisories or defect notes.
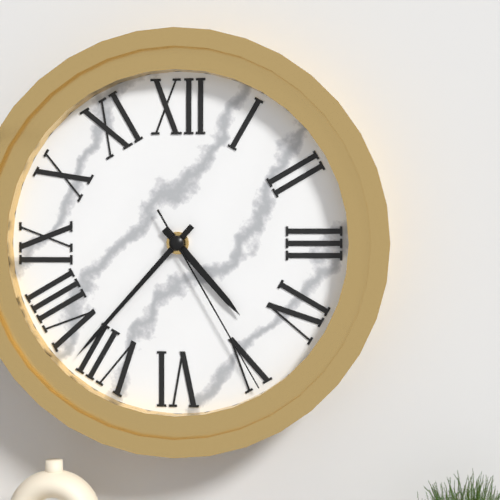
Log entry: 4h37m25s
